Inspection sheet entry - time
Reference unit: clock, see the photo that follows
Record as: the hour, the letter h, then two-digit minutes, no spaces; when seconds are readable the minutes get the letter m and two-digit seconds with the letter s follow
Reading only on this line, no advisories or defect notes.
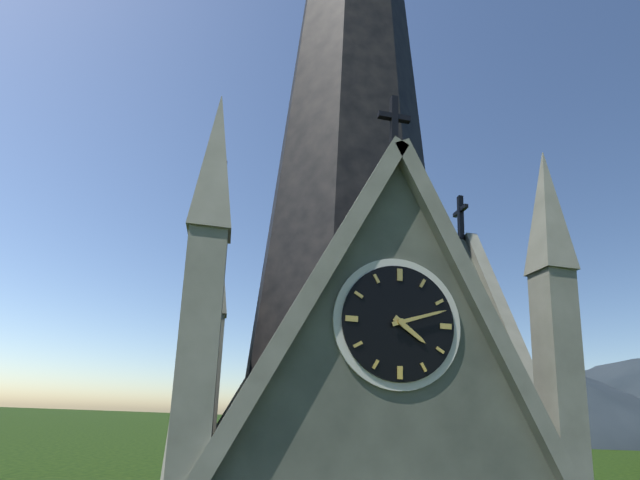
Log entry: 4h12
